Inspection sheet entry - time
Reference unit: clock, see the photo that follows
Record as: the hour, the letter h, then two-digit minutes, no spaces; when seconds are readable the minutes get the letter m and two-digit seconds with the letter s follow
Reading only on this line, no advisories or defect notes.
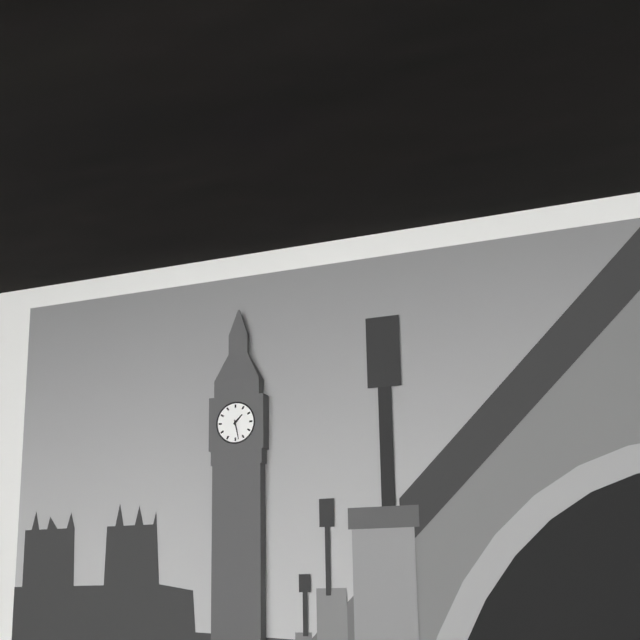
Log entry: 1h28
